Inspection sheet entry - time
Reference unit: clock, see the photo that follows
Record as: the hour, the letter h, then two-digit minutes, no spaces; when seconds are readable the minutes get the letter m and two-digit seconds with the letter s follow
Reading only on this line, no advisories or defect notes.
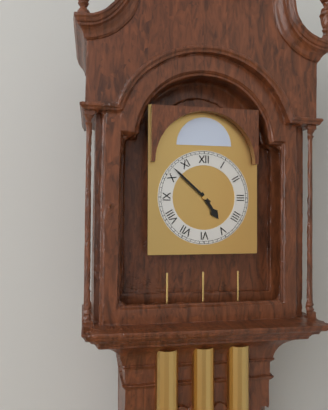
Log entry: 4h52
